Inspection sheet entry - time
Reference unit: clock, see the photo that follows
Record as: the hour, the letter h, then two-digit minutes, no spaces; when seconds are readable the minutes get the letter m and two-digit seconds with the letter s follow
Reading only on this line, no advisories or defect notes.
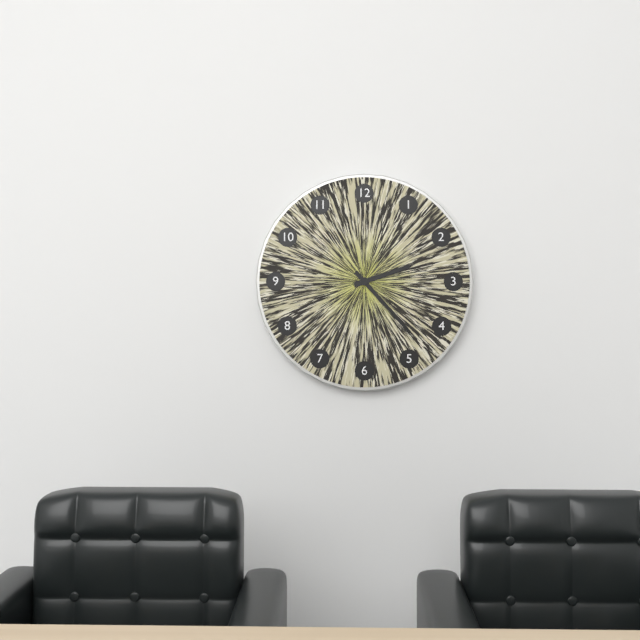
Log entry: 2h23
